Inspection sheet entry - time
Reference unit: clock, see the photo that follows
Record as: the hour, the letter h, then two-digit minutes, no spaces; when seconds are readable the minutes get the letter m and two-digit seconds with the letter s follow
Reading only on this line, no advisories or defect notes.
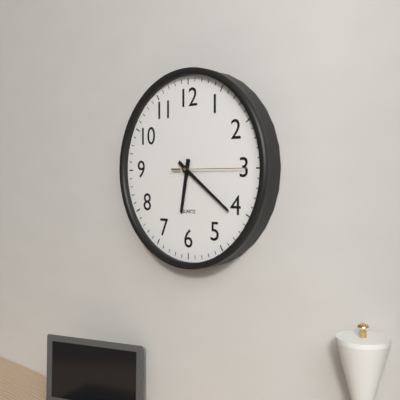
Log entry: 6h21m15s
